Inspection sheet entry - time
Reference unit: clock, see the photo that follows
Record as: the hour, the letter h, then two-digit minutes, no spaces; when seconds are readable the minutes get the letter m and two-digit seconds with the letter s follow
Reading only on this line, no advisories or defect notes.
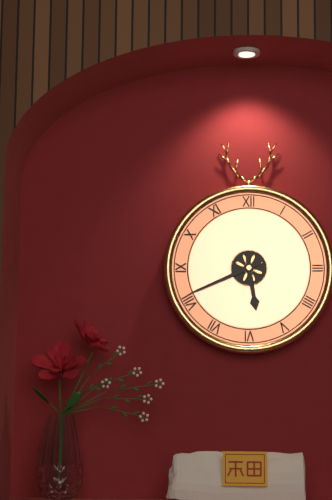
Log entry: 5h41
